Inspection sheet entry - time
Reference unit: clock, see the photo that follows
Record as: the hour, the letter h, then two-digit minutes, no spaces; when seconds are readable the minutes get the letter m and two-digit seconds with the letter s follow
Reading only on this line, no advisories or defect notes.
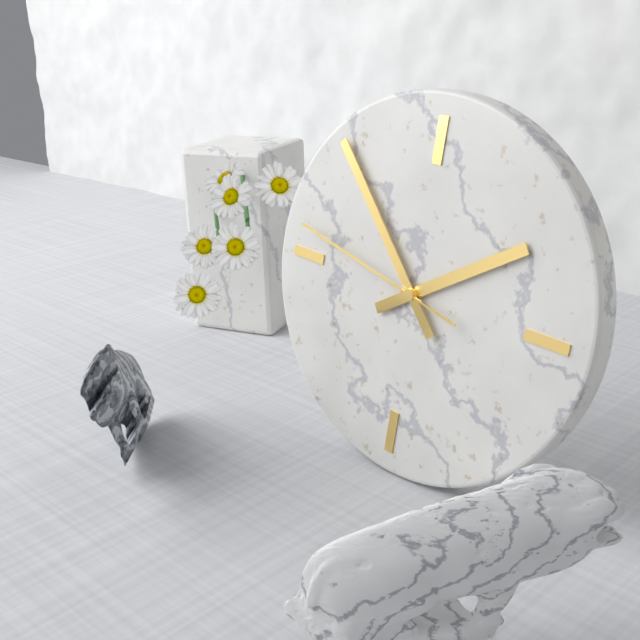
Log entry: 1h53m47s
